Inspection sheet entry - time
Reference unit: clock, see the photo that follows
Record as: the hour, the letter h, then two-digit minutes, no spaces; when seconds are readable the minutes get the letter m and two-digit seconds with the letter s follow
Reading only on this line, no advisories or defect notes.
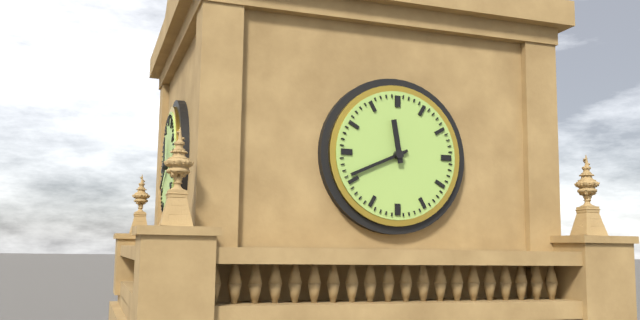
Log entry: 11h41
